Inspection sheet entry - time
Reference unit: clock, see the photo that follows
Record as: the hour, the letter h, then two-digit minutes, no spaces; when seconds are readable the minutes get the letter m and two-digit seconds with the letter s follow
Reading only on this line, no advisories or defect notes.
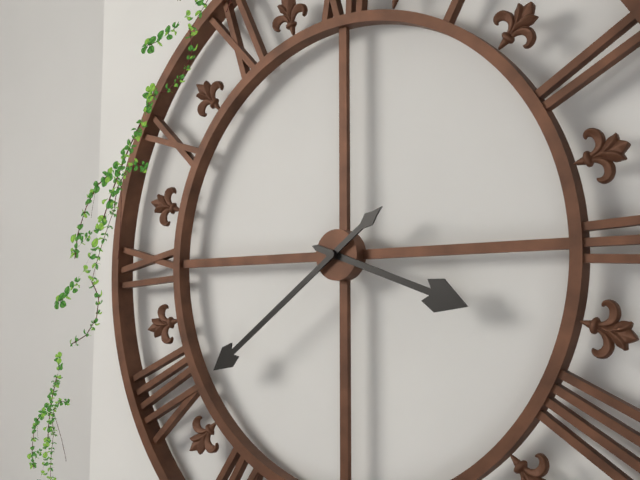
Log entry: 3h39
